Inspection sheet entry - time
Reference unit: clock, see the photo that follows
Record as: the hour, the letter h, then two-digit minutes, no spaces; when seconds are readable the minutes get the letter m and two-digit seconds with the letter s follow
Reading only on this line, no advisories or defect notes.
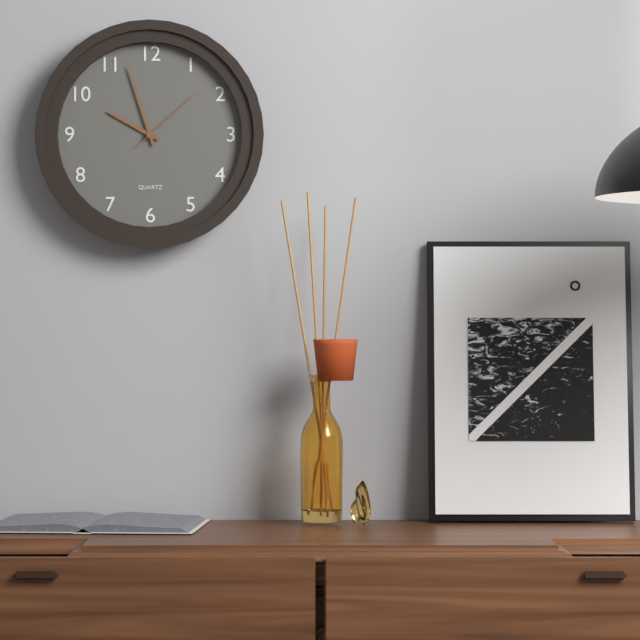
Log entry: 9h57m08s
